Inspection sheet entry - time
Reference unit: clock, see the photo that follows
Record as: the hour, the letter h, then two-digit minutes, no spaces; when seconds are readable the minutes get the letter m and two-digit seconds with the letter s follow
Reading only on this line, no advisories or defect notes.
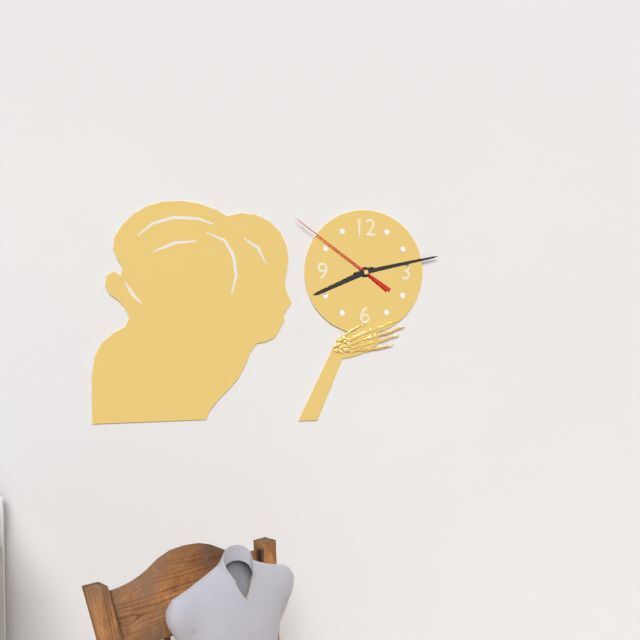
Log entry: 8h13m51s
